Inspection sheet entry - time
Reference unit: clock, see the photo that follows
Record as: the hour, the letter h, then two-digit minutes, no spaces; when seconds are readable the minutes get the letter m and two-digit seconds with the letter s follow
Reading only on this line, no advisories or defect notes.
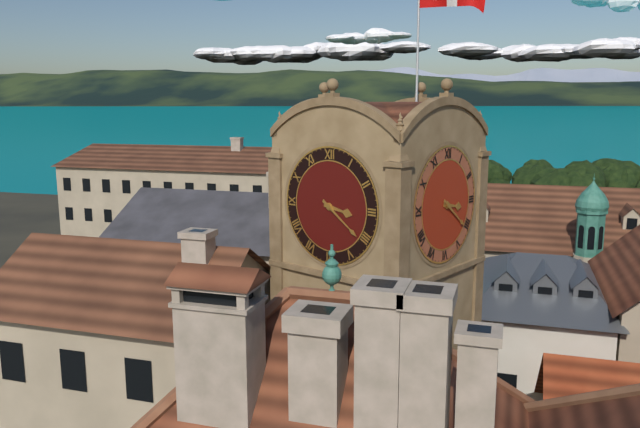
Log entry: 3h21
